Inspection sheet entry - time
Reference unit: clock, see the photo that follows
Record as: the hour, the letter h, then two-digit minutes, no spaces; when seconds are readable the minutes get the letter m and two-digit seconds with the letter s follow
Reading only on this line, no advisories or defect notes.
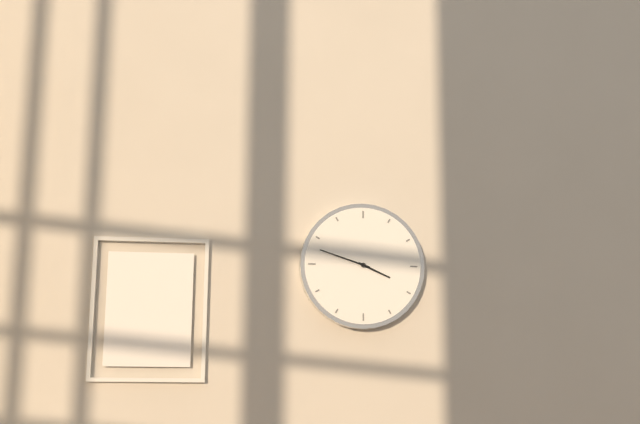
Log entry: 3h48
